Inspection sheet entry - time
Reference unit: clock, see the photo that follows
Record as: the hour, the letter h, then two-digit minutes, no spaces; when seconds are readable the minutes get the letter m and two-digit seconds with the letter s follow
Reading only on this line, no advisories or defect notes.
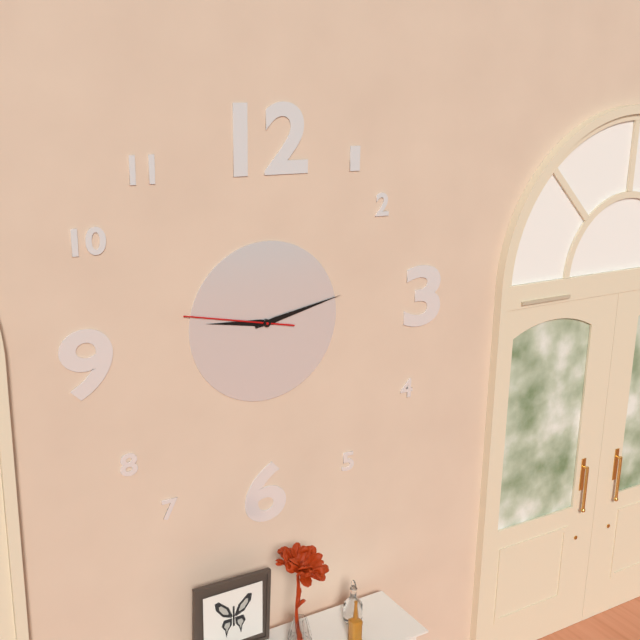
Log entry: 9h13m47s
